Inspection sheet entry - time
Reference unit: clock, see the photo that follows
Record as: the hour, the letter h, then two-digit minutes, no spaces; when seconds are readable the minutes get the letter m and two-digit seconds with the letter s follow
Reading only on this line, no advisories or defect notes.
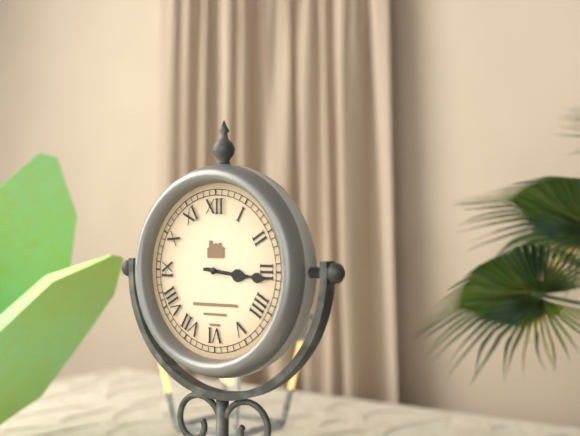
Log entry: 3h16
